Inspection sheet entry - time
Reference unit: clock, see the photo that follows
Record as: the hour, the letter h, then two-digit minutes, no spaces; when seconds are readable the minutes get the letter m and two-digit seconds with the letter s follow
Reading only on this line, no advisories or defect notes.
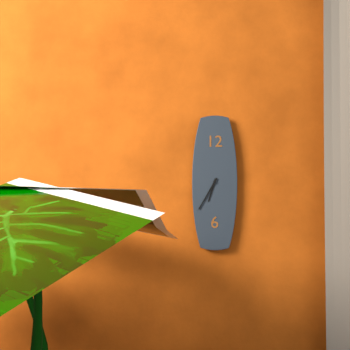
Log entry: 6h35
